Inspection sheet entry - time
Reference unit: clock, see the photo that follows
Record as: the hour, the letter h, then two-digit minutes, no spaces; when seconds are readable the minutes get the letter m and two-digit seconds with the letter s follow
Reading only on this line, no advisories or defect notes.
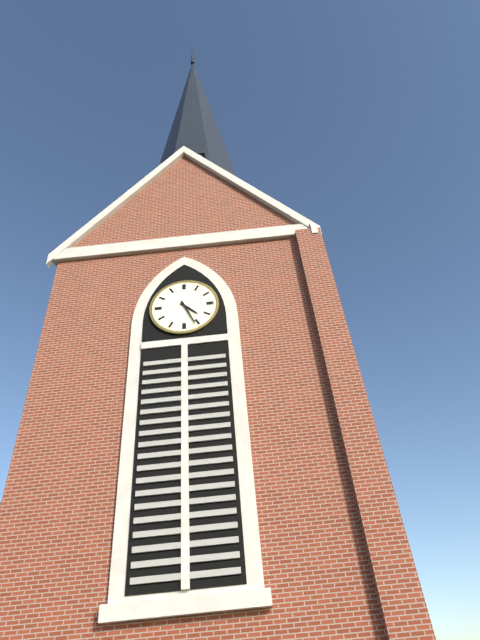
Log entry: 4h26
